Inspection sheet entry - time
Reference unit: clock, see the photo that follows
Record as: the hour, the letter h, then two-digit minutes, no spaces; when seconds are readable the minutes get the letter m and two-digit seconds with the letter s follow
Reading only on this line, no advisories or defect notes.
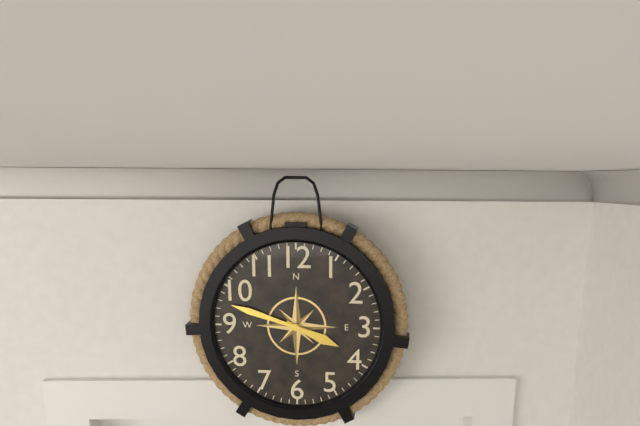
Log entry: 3h48
